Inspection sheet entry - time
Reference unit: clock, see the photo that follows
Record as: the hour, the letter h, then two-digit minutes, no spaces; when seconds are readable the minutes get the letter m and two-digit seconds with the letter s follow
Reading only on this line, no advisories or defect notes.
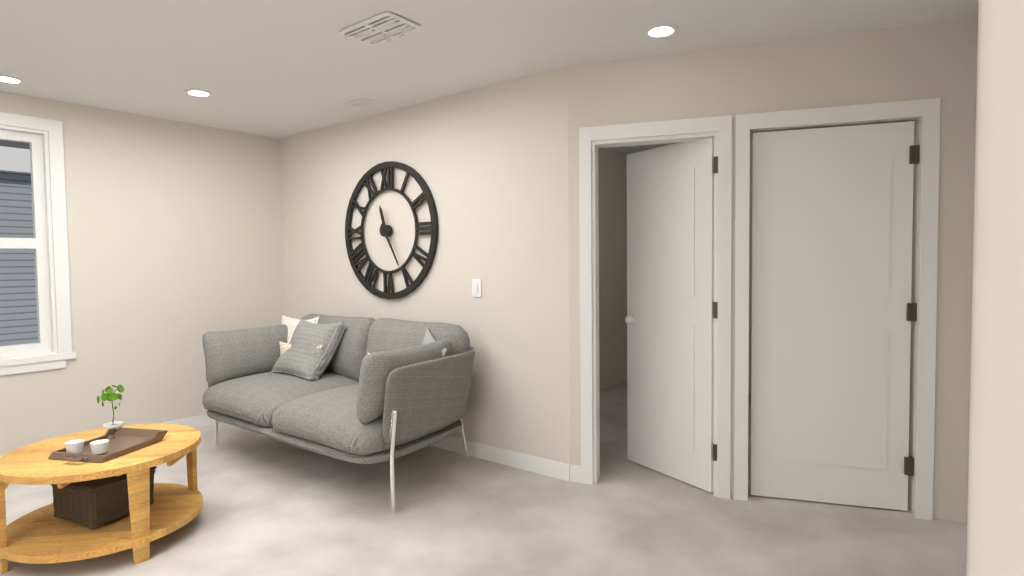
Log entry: 11h25
